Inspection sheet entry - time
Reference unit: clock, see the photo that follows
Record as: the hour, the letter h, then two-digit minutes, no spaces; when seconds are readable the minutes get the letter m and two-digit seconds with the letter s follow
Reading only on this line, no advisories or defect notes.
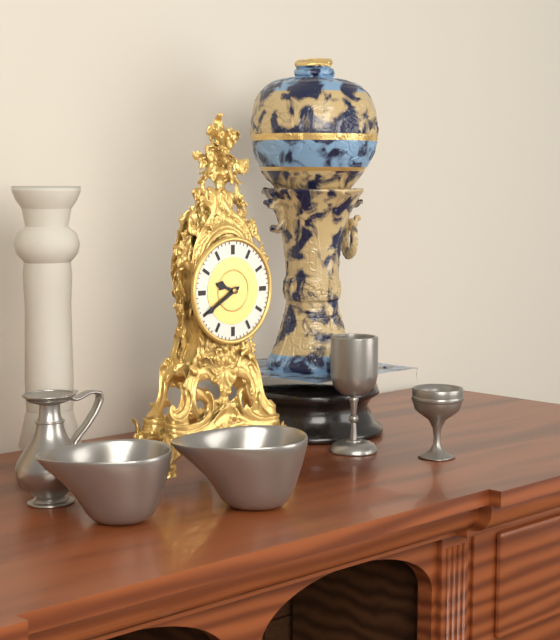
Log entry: 9h40
